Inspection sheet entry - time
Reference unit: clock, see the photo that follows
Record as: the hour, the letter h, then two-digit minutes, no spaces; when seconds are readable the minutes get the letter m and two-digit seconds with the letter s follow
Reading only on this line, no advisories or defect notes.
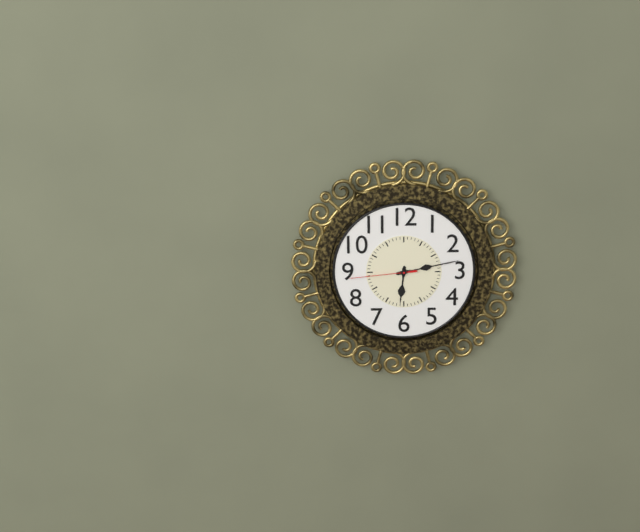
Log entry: 6h13m44s
